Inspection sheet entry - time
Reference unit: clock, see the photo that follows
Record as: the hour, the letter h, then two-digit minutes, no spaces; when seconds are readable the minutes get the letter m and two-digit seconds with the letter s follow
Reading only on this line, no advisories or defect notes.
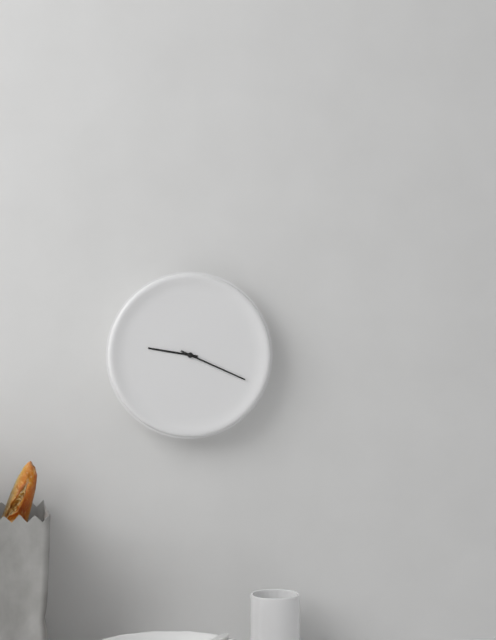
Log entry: 9h19
